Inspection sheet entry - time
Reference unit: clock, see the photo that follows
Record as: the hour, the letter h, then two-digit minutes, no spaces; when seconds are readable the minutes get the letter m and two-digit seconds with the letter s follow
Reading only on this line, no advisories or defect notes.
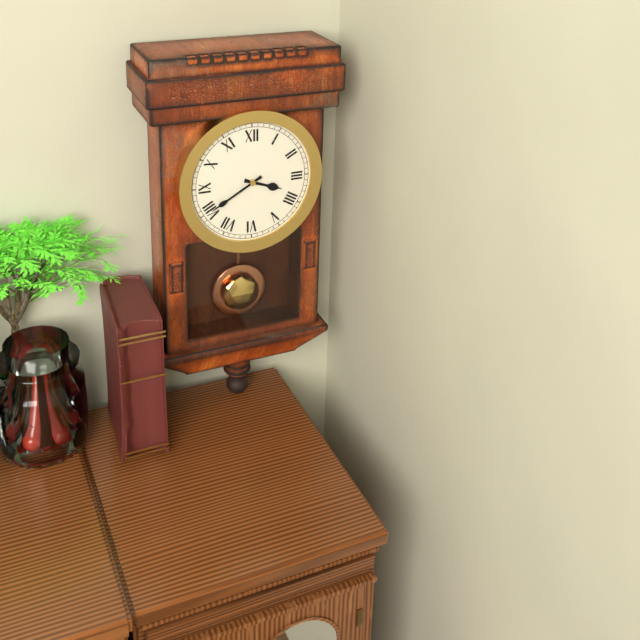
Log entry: 3h40
